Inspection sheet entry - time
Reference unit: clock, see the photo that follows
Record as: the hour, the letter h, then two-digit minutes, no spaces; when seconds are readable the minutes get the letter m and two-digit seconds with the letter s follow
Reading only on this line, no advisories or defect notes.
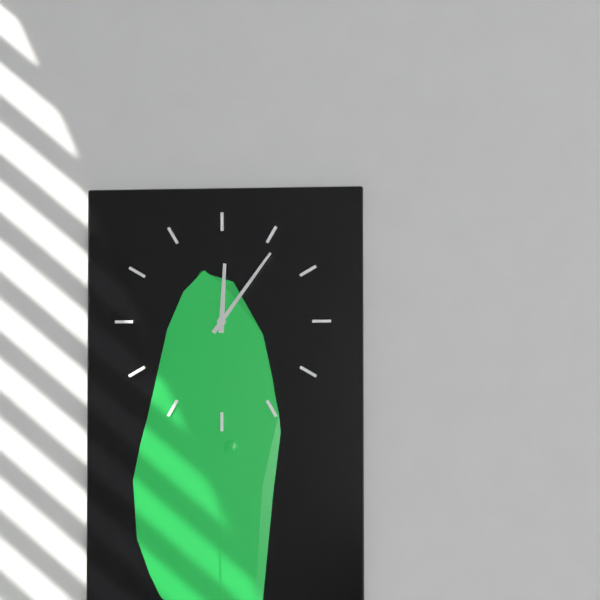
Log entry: 12h06
